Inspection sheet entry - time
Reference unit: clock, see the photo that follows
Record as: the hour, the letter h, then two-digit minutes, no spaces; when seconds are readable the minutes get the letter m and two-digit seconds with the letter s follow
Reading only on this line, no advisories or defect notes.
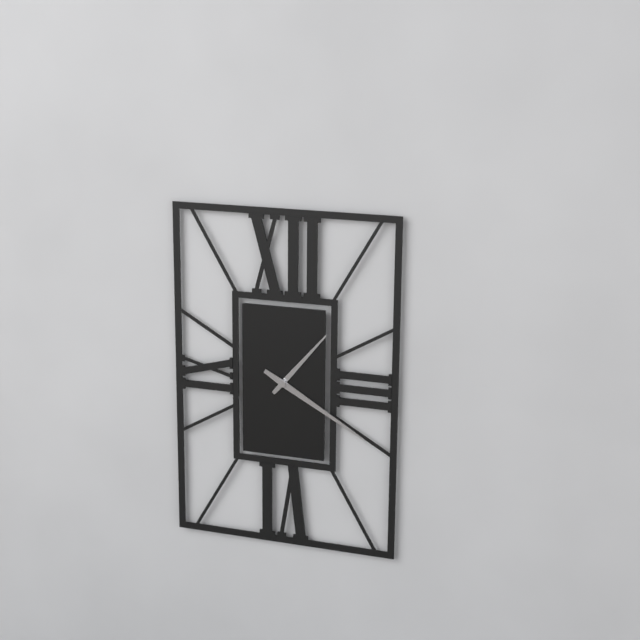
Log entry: 1h20
